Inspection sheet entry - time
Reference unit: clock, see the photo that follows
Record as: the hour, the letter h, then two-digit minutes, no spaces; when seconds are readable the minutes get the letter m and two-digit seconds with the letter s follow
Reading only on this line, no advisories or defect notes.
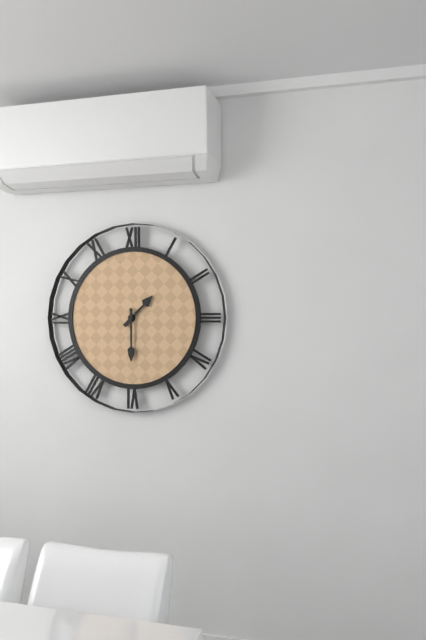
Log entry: 1h30
